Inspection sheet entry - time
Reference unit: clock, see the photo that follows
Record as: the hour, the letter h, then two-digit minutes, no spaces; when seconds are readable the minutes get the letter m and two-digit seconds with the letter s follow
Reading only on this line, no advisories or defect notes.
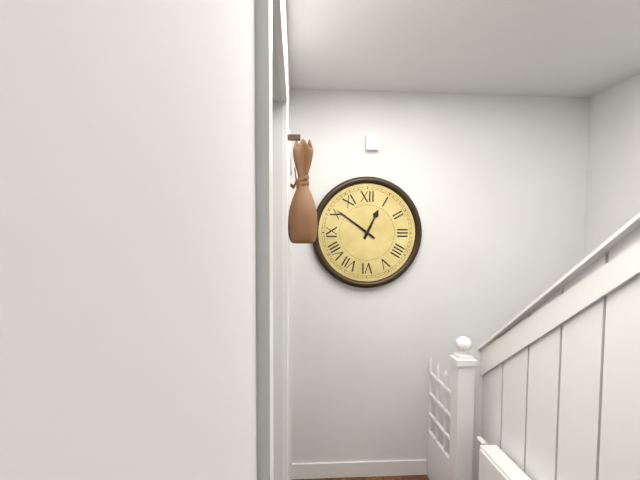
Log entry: 12h51
